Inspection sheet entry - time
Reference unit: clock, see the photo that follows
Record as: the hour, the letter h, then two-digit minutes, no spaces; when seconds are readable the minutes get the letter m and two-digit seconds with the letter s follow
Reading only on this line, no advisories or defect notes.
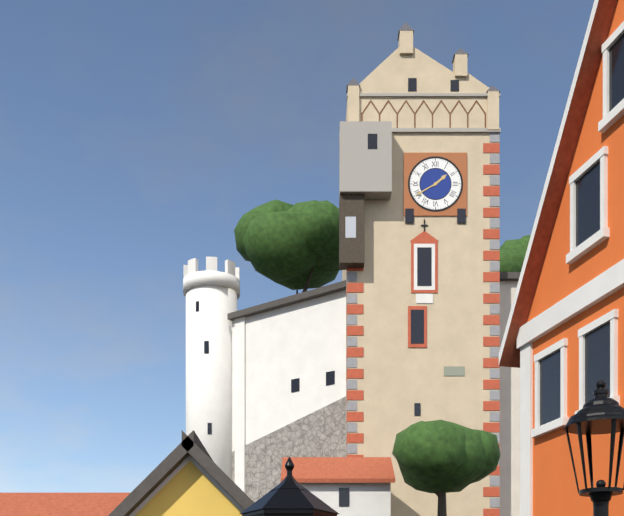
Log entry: 1h40
